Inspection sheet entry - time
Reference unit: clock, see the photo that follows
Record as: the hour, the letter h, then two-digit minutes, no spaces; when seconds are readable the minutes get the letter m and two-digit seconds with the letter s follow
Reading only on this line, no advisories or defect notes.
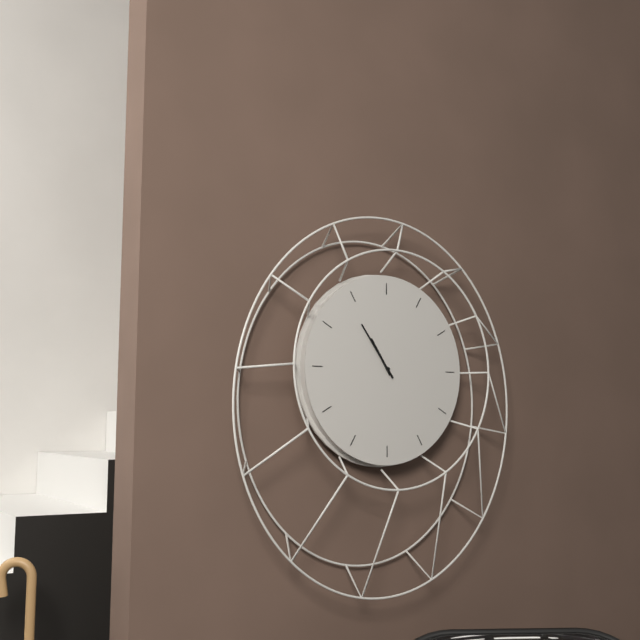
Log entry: 10h54
